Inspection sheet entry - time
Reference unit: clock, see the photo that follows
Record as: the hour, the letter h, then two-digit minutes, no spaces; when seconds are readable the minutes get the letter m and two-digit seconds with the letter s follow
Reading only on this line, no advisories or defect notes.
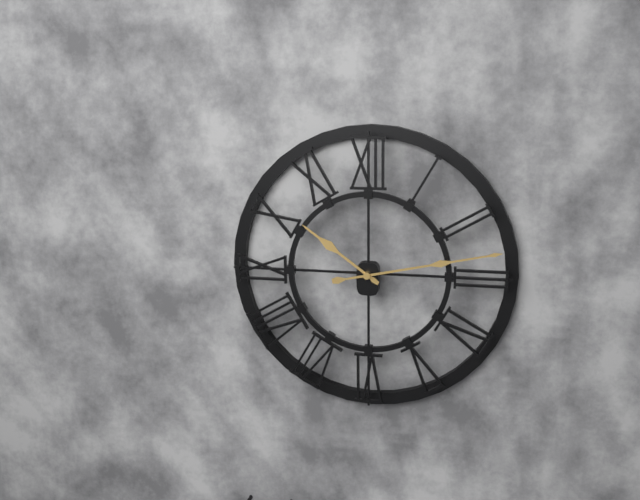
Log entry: 10h13
